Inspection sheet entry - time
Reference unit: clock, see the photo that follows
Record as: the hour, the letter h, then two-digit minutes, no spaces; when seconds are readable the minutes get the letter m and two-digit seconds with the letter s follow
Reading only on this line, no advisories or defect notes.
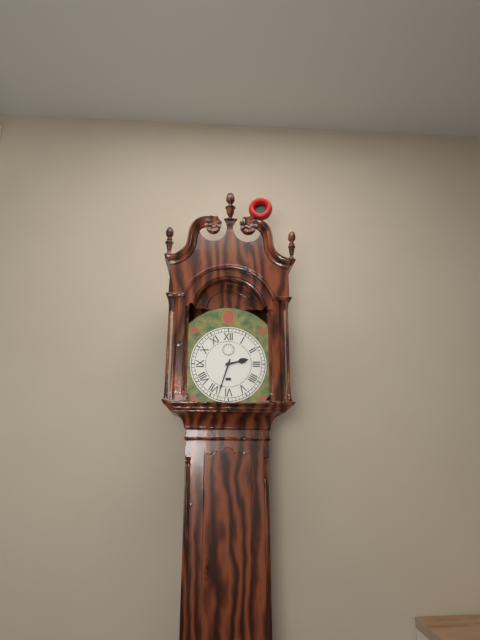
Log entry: 2h33
